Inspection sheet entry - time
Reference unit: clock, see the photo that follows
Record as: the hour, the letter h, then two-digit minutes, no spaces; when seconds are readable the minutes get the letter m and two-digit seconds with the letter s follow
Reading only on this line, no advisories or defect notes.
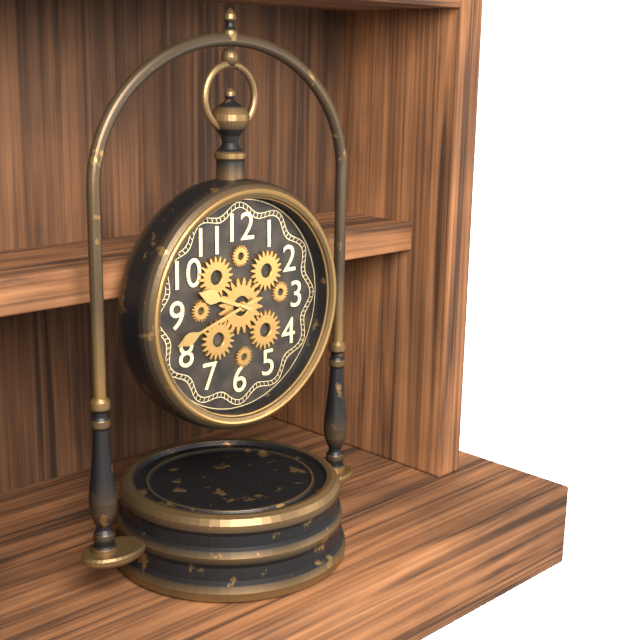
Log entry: 9h42
